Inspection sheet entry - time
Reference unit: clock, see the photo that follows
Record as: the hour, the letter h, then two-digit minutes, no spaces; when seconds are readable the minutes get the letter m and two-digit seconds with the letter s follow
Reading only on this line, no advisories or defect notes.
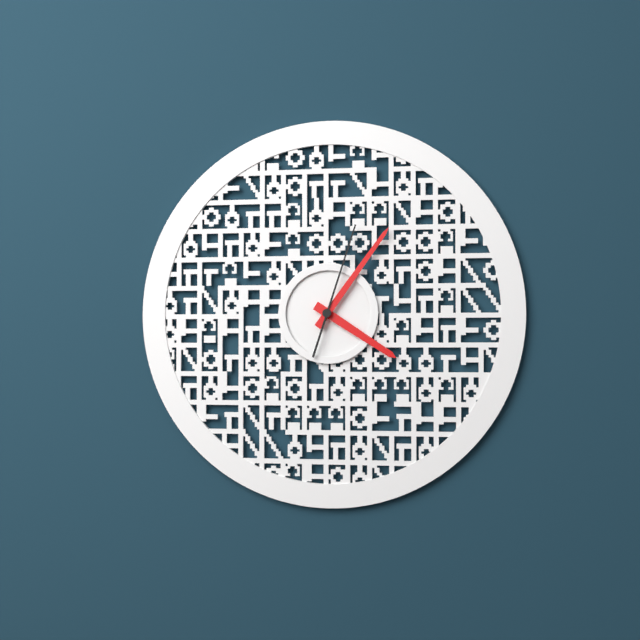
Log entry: 4h06m03s
